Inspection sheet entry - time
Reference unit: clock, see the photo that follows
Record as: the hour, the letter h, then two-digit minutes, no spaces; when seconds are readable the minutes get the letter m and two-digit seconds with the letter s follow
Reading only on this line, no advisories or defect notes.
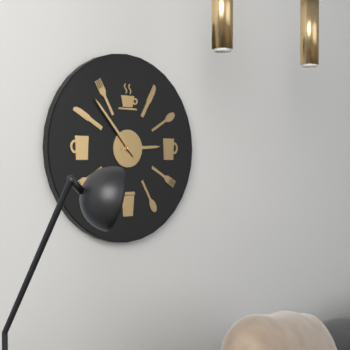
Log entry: 2h53
